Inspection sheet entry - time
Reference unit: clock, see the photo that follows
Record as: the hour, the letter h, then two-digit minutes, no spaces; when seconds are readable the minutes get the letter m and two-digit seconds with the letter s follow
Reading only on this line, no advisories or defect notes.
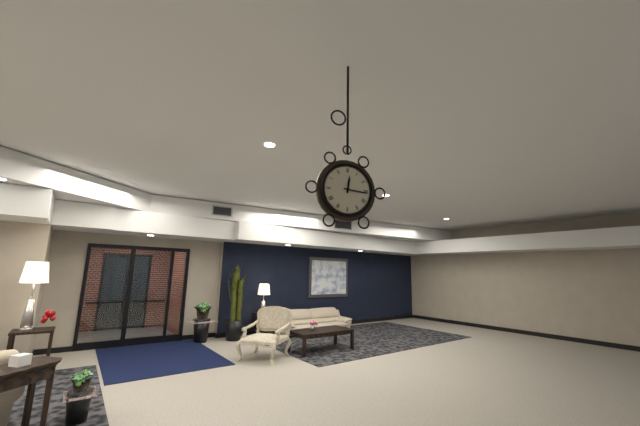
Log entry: 12h16
